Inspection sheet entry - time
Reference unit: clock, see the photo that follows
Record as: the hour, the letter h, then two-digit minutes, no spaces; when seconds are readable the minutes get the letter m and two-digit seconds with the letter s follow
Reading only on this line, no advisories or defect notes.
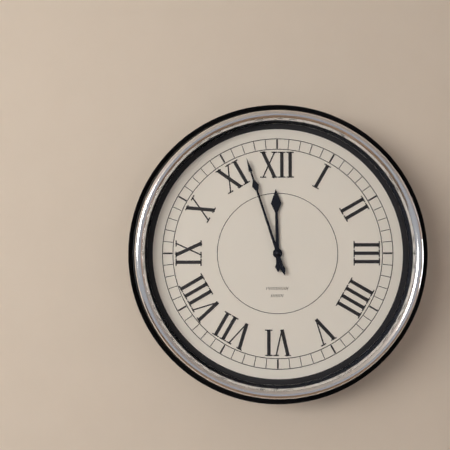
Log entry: 11h57
